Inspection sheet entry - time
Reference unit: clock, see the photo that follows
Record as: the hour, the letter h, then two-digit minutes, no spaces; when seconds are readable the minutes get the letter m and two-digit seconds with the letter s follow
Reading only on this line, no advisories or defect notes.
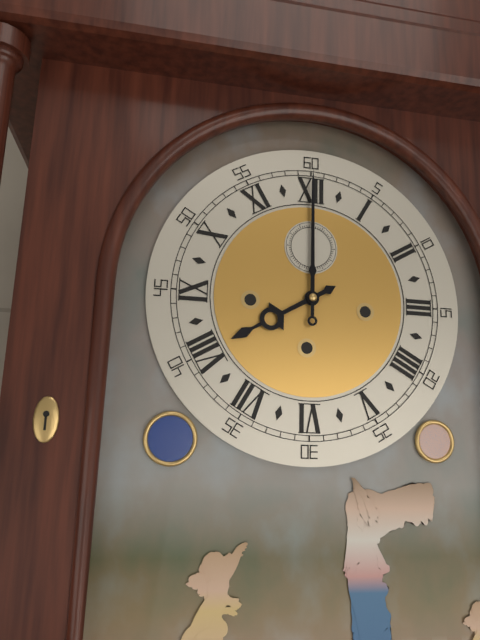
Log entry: 8h00
